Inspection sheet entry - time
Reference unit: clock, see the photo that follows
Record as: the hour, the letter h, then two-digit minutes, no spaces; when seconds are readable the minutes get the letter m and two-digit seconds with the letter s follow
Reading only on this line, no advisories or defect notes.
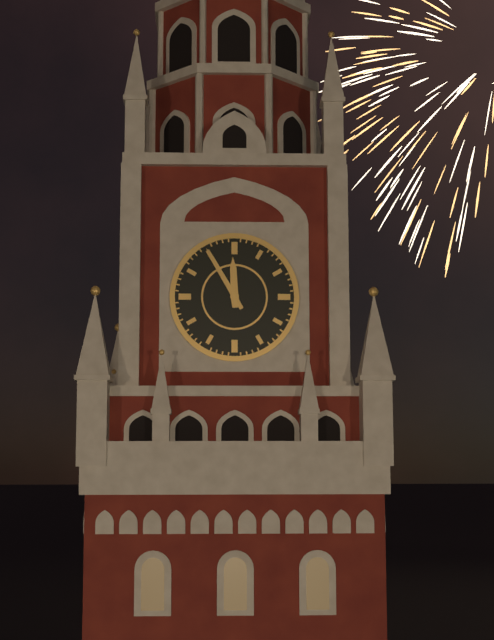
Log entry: 11h55
